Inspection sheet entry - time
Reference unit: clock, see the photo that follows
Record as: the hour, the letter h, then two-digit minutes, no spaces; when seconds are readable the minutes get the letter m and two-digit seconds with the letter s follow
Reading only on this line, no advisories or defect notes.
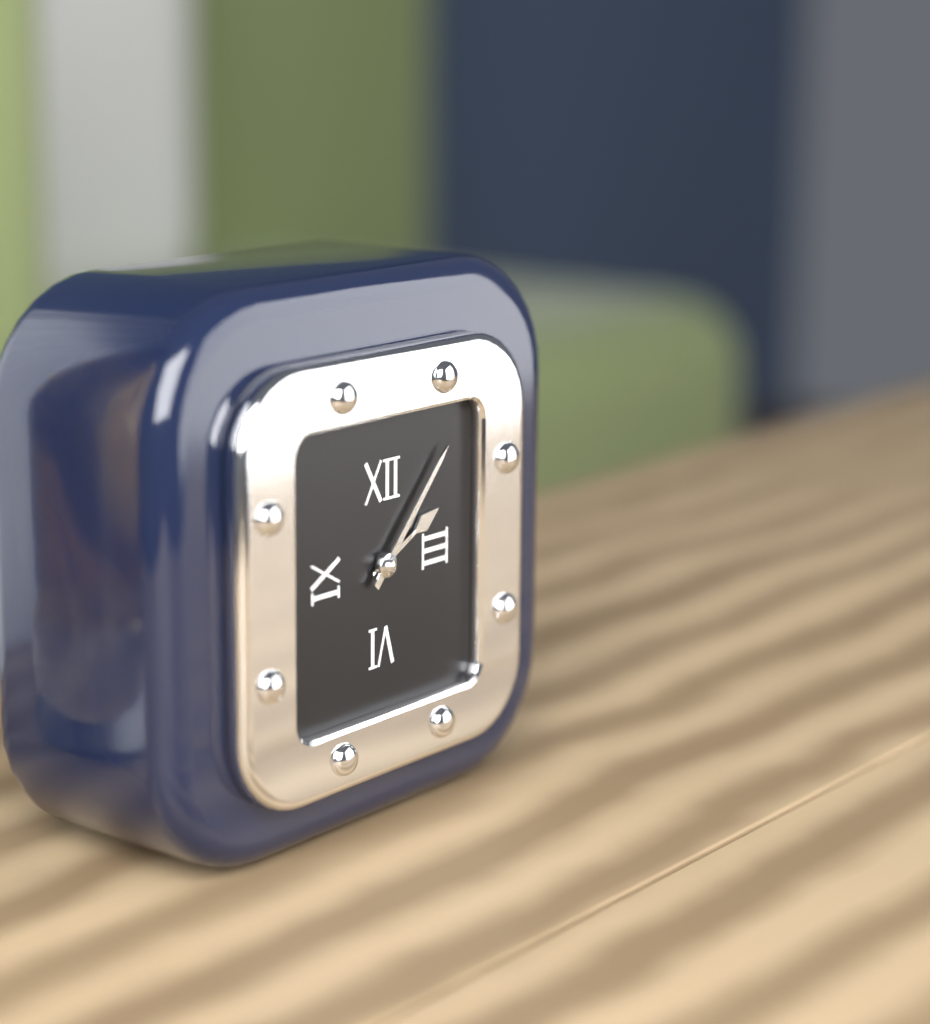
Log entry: 2h07
